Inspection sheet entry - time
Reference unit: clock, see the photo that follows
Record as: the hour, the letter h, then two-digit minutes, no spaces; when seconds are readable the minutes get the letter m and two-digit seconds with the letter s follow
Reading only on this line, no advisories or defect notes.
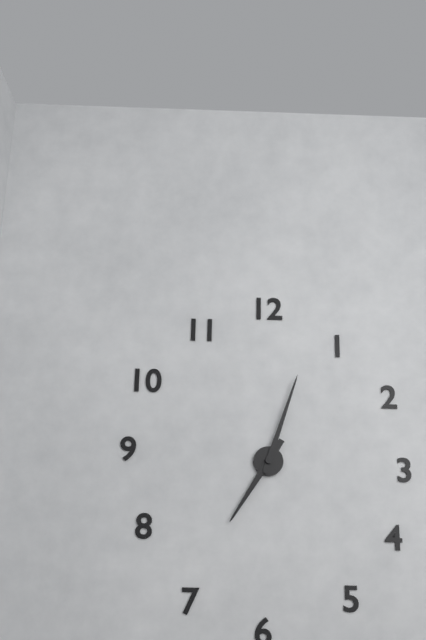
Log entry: 7h03
